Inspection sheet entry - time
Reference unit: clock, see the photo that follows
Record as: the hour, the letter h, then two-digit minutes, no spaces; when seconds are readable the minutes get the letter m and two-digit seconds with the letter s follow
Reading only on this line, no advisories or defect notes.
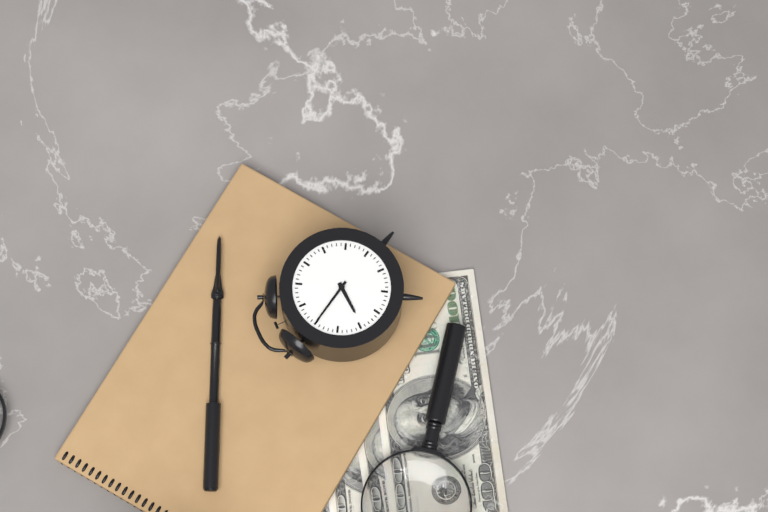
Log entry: 8h55
